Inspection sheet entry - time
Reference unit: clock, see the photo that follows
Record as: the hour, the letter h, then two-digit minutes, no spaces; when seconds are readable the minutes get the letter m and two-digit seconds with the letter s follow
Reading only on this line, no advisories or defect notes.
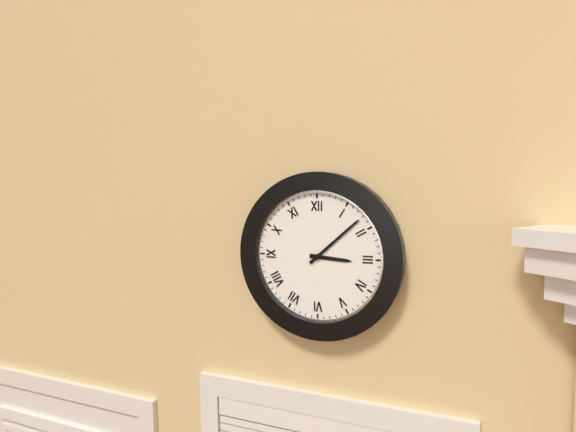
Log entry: 3h08
